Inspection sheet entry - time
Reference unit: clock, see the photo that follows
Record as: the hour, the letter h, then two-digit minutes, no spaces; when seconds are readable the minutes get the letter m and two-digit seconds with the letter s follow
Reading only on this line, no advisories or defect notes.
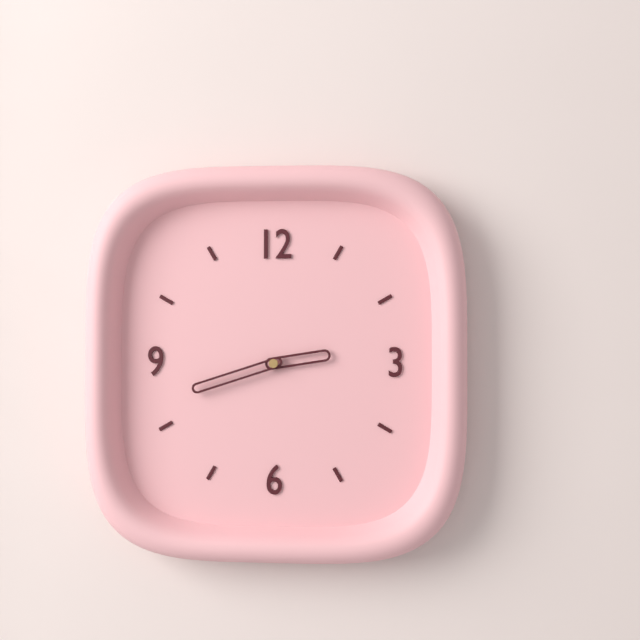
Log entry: 2h42
